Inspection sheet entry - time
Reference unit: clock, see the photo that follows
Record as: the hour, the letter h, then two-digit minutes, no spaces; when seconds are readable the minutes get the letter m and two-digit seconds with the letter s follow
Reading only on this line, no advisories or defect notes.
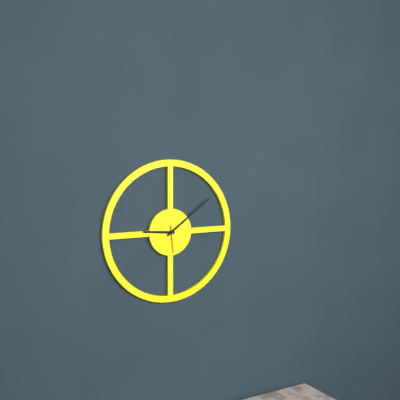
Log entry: 9h09
